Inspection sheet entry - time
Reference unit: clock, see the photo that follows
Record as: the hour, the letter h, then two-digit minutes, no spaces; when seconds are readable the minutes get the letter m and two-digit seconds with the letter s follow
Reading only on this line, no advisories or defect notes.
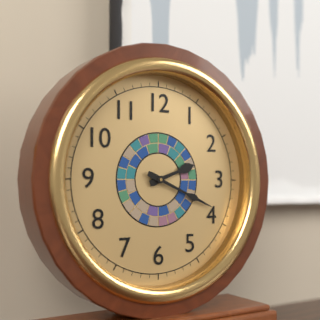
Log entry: 2h19
